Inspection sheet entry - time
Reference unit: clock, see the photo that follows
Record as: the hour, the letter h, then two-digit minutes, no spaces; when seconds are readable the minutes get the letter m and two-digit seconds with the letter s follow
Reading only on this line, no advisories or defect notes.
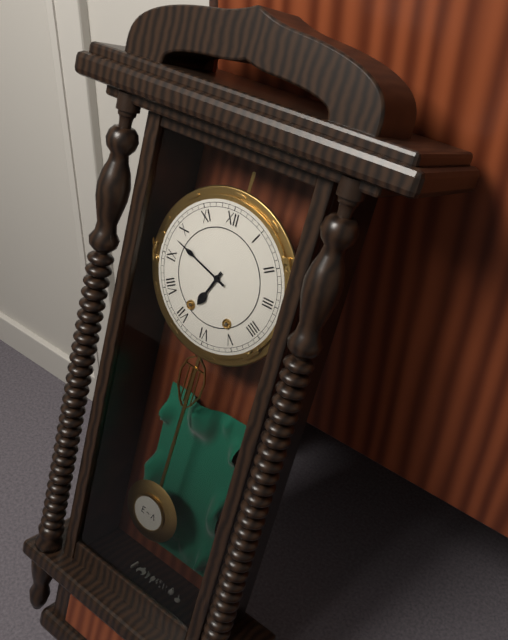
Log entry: 6h48
